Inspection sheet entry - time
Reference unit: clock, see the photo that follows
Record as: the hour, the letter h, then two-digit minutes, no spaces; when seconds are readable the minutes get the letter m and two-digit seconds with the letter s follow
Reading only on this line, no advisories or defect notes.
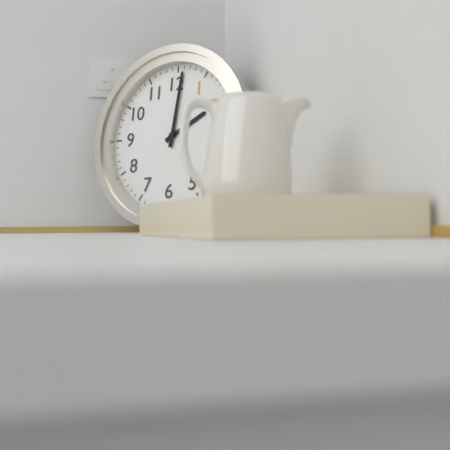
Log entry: 2h01
